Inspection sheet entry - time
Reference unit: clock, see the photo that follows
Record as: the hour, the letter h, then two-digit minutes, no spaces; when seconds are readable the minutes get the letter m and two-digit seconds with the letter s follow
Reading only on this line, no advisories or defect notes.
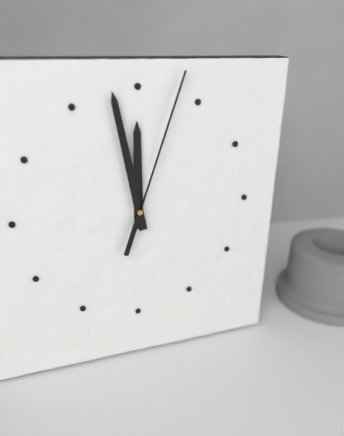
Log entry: 11h58m03s
